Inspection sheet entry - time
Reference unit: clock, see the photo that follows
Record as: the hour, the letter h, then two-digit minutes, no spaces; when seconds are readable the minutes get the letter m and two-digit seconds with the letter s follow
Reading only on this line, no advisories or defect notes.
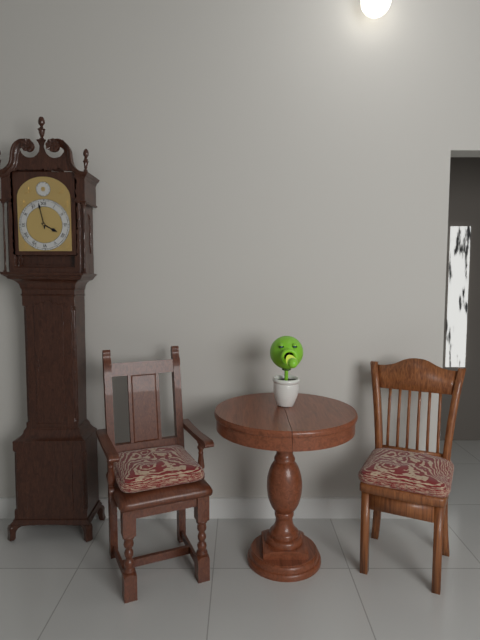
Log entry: 3h58
